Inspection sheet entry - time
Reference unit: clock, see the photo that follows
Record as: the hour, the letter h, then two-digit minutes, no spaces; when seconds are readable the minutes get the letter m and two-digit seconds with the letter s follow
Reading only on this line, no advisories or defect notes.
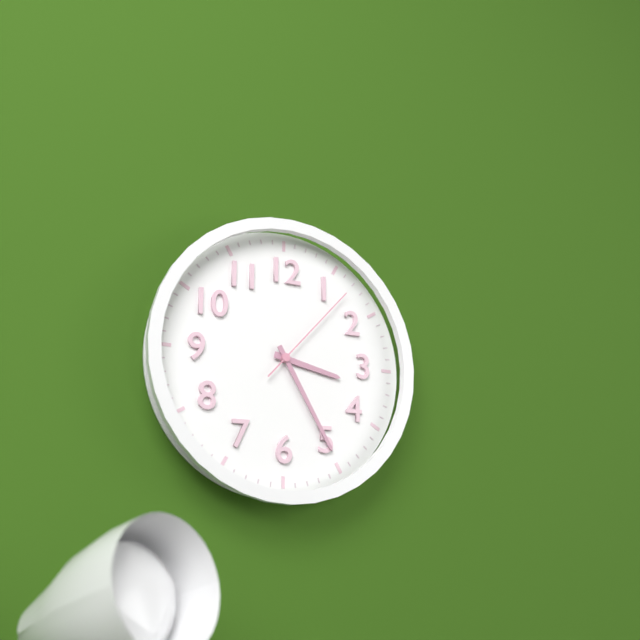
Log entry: 3h25m07s
